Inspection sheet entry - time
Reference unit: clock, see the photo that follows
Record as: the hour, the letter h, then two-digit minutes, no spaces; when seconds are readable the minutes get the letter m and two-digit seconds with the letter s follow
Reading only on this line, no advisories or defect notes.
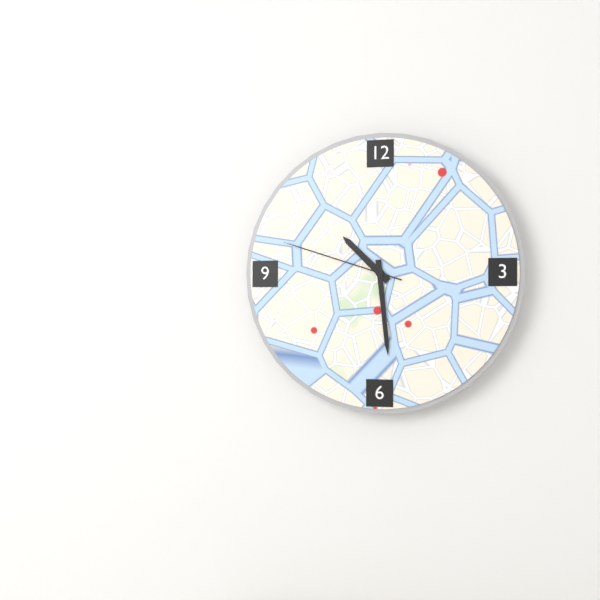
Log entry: 10h29m48s
